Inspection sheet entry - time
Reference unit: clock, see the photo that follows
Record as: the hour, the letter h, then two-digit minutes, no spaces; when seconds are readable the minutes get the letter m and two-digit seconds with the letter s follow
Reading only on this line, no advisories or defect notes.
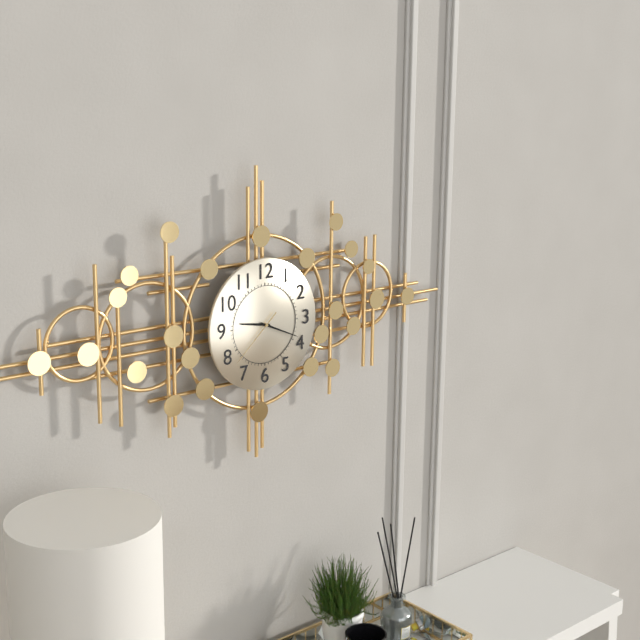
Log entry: 9h19m38s
